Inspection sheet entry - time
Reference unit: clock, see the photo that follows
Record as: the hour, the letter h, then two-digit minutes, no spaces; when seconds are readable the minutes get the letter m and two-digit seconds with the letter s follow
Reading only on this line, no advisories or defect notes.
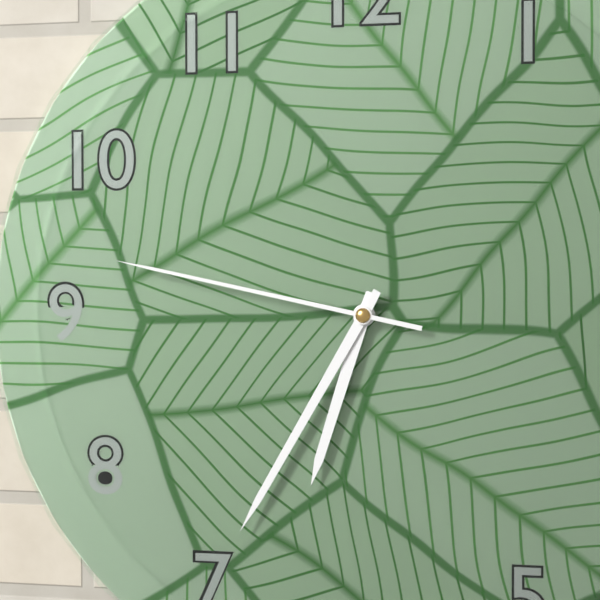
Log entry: 6h35m47s
